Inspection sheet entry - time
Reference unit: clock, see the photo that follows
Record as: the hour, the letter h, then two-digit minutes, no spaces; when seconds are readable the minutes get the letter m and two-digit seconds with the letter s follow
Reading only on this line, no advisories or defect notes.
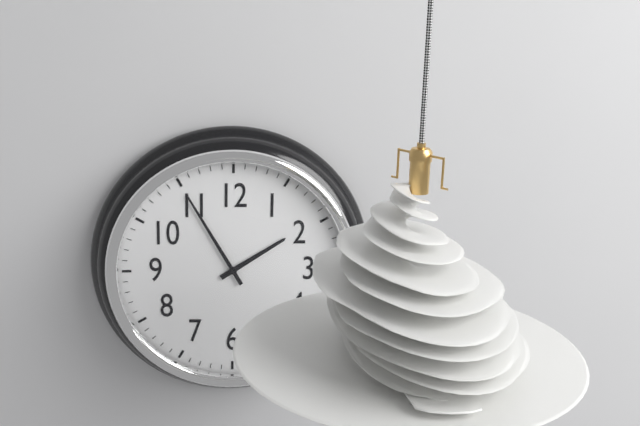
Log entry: 1h55
